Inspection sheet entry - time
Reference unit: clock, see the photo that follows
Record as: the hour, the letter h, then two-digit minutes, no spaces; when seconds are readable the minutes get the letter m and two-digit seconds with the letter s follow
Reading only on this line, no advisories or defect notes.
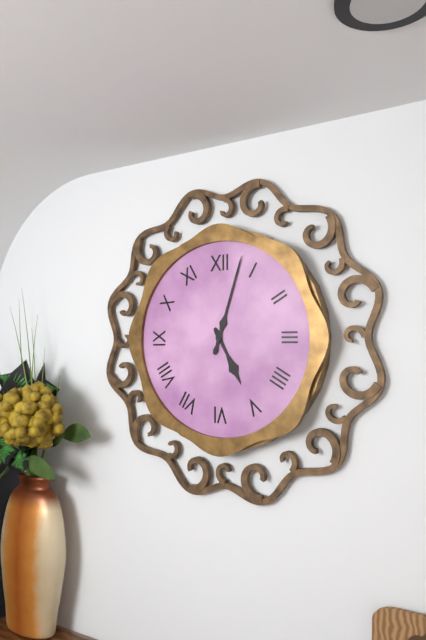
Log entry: 5h03
